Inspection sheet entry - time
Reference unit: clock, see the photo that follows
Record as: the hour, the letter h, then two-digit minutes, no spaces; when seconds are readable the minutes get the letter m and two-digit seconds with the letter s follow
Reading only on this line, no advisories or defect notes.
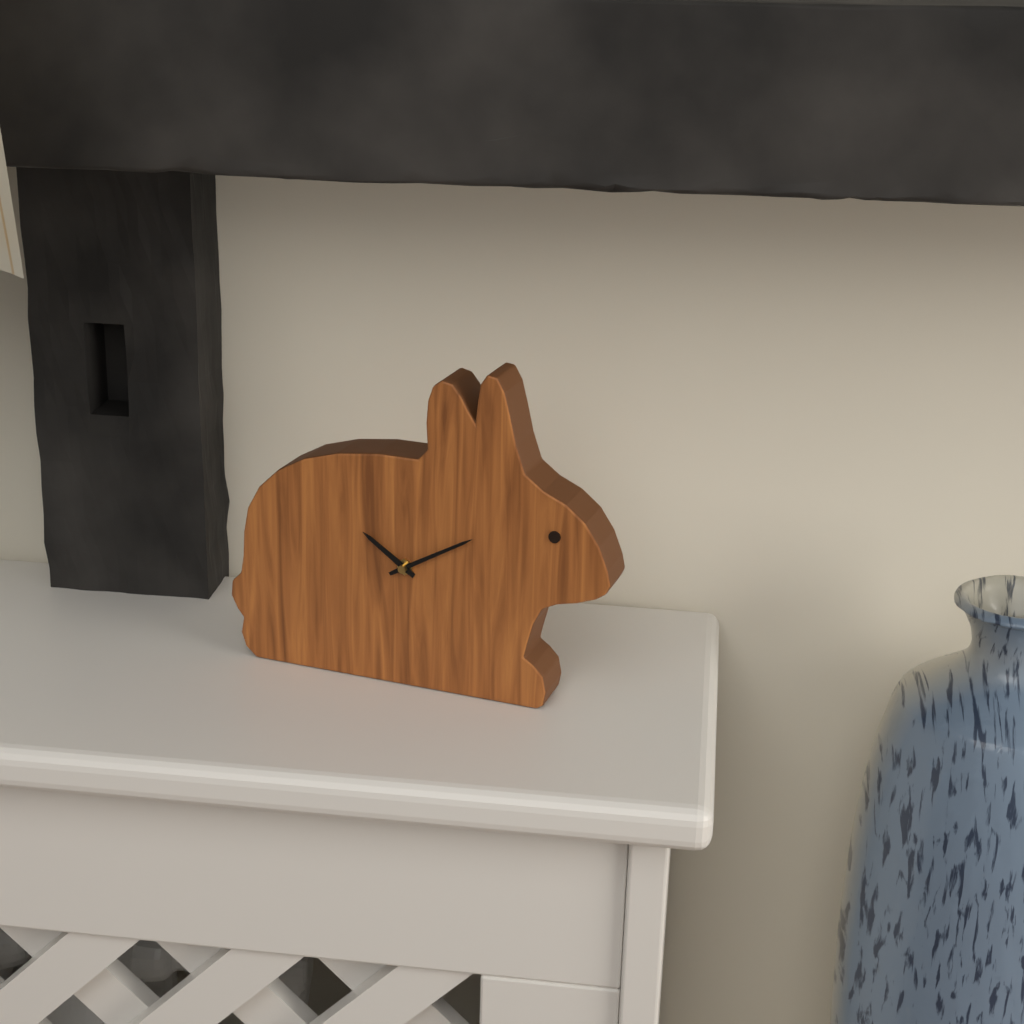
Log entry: 10h10
